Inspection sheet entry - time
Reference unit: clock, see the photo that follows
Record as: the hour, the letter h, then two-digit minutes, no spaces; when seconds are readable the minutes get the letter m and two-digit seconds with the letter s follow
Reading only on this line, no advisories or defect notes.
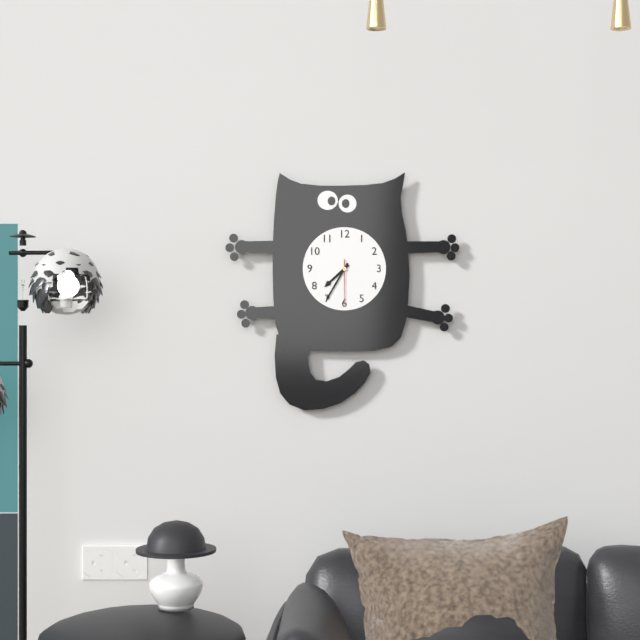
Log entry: 7h35
